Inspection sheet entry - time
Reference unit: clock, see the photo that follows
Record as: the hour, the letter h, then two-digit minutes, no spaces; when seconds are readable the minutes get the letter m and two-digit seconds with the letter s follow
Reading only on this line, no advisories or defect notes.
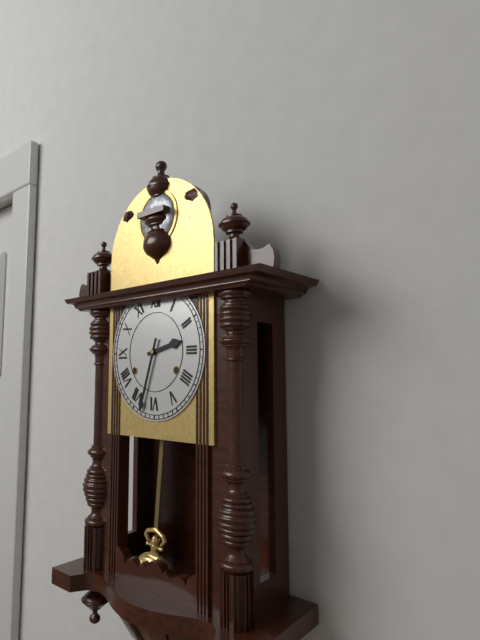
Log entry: 2h33
